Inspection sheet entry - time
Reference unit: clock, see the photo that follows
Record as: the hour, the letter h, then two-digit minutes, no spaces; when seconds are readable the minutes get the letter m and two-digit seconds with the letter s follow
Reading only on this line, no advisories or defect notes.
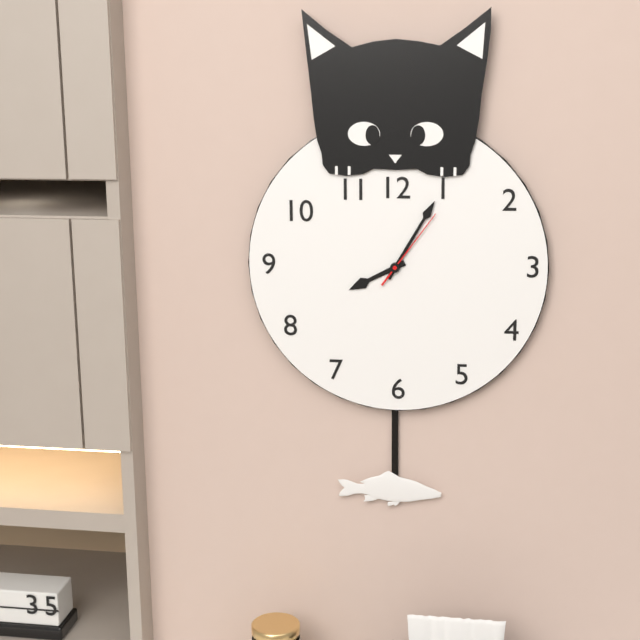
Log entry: 8h05m06s
